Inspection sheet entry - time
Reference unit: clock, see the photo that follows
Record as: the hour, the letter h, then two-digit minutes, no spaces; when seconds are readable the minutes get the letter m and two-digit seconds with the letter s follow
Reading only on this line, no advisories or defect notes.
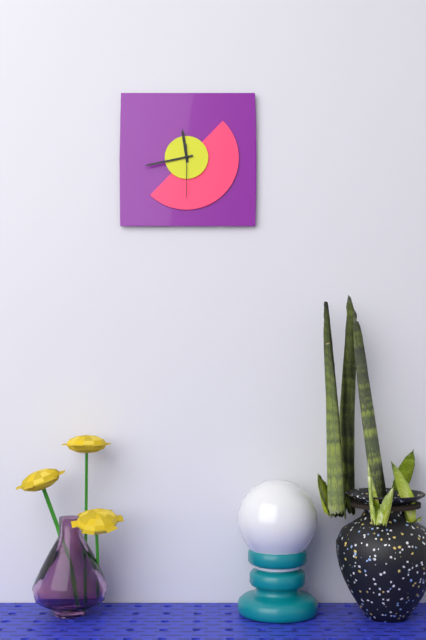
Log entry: 11h43m30s
